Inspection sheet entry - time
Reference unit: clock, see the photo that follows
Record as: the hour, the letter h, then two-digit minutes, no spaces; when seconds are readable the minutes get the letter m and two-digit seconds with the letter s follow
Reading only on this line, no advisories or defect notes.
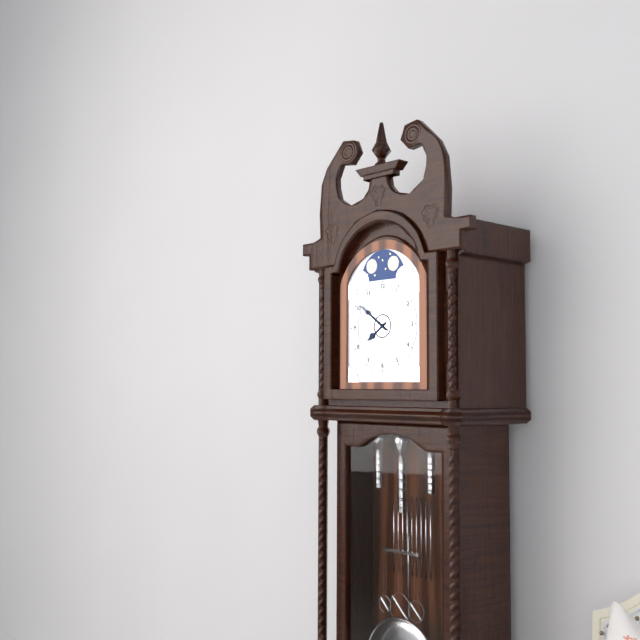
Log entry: 7h51
